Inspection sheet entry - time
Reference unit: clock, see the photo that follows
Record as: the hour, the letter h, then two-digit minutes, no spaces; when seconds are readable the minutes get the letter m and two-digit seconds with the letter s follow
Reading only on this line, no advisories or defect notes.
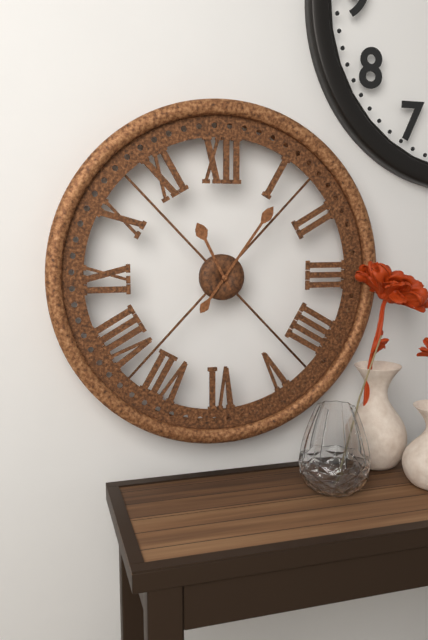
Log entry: 11h06
